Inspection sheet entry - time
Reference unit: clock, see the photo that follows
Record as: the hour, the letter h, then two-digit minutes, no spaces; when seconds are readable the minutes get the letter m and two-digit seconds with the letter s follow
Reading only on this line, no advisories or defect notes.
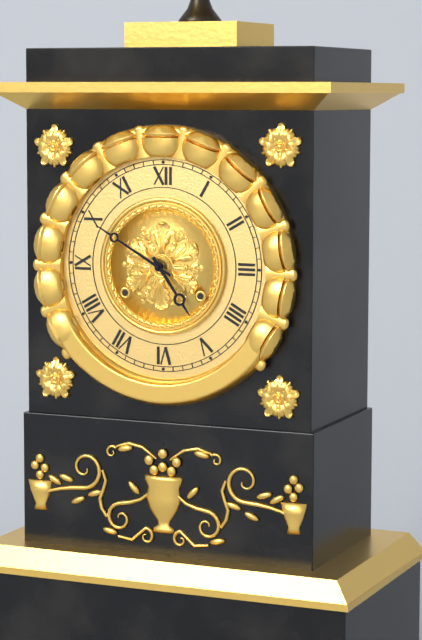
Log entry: 4h50
